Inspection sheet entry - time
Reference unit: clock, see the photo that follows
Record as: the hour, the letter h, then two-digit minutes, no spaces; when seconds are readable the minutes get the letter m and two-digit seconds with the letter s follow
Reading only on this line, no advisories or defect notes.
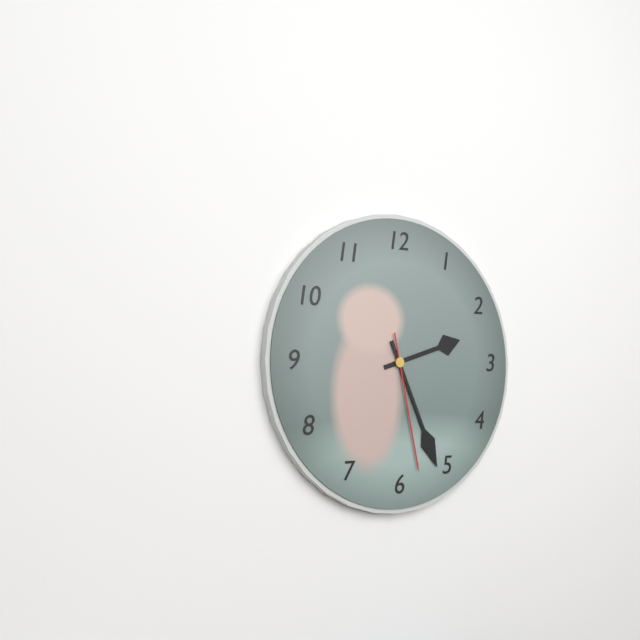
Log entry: 2h26m28s
